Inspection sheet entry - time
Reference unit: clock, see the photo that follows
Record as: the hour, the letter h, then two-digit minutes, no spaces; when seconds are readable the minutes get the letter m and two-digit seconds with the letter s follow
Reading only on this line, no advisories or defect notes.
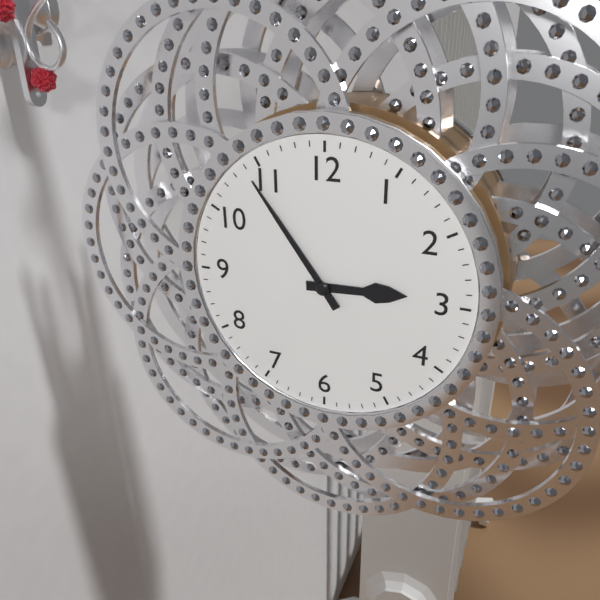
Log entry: 2h54
